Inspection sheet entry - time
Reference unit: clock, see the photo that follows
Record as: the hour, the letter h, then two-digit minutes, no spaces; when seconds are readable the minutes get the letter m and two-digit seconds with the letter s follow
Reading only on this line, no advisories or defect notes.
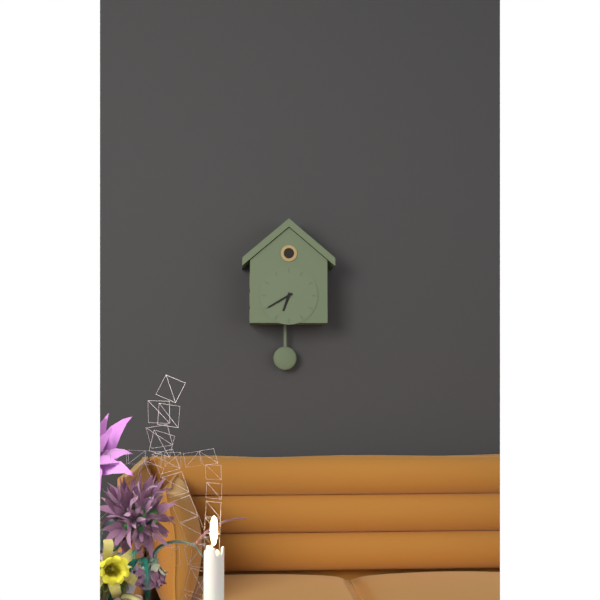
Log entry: 6h40
